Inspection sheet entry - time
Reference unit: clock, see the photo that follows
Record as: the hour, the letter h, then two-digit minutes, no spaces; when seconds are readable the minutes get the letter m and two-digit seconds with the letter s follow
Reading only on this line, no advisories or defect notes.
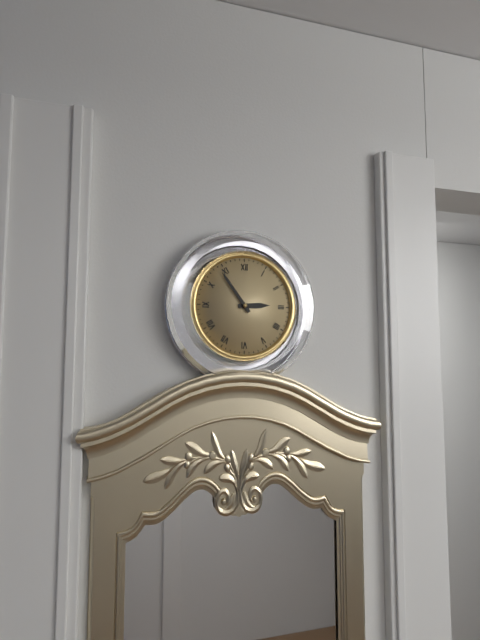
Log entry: 2h54
